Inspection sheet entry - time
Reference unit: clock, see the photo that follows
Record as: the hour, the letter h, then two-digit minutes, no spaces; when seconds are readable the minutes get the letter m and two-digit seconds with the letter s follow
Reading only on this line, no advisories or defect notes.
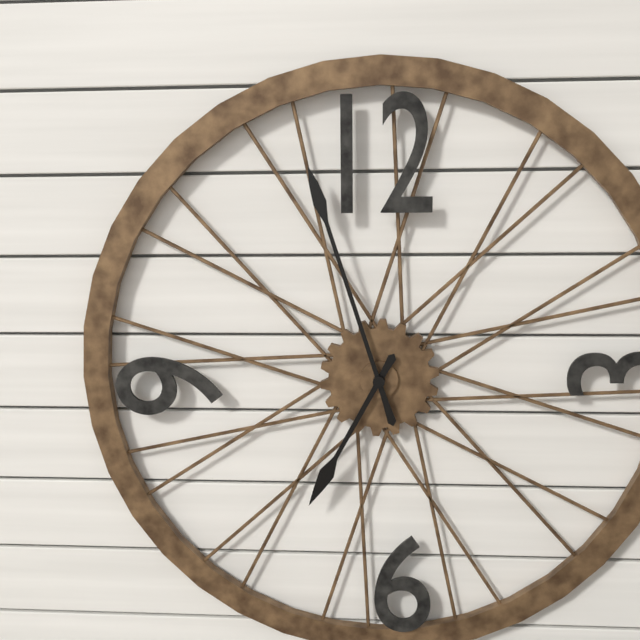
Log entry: 6h57
